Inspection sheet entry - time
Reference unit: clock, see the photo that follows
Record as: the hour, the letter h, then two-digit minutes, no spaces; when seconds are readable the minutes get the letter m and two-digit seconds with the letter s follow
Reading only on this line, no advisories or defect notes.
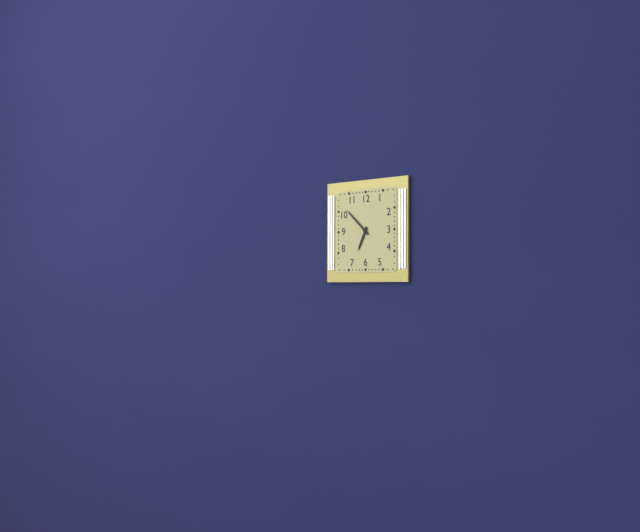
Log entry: 6h52
